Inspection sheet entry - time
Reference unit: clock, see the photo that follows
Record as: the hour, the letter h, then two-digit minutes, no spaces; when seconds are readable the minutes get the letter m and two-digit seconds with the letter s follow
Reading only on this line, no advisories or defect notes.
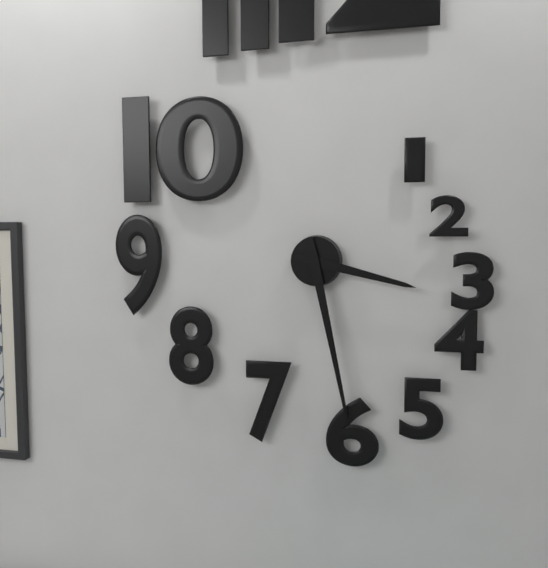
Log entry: 3h28
